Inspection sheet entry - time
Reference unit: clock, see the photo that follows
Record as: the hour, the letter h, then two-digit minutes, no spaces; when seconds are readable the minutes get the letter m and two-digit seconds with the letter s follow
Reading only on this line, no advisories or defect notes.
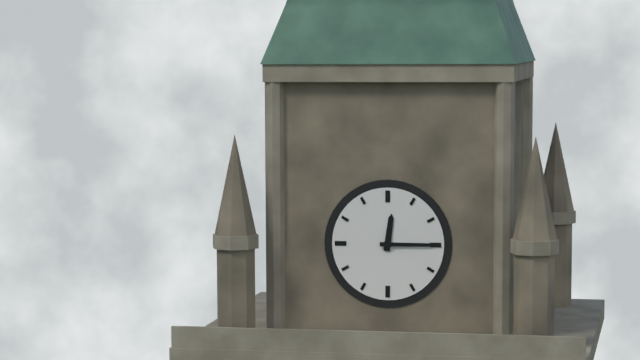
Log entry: 12h15
